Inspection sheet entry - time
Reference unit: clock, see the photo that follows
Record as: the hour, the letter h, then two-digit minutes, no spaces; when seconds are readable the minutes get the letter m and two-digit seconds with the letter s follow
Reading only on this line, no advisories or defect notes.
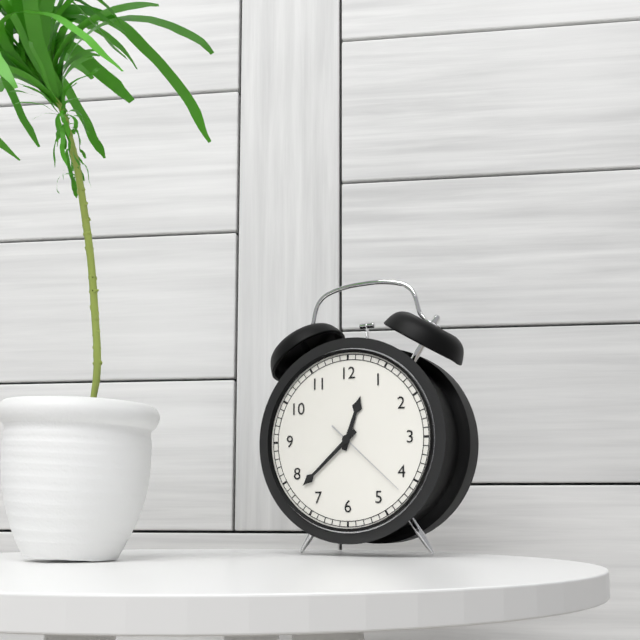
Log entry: 12h38m22s
